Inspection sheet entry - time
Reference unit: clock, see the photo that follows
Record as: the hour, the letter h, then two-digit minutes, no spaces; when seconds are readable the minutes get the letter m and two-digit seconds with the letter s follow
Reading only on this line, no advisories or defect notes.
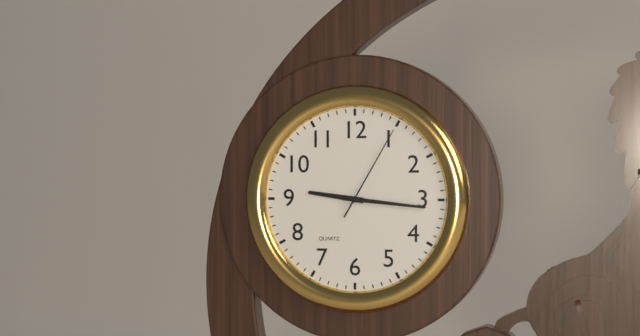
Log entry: 9h16m05s
